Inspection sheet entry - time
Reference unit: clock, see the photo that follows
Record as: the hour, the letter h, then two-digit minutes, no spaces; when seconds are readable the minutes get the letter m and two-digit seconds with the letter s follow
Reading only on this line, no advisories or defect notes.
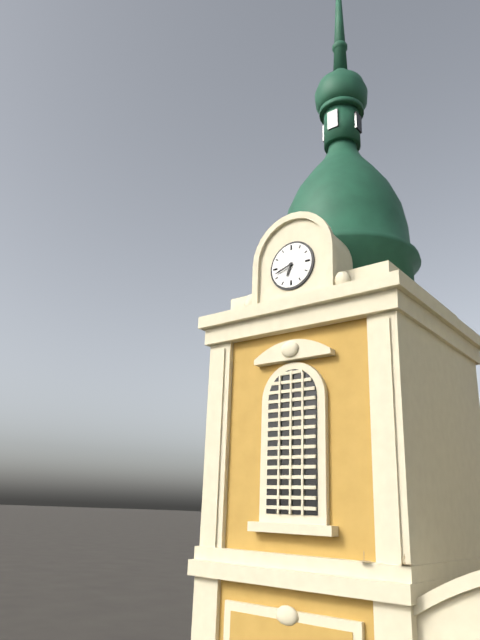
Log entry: 6h42
